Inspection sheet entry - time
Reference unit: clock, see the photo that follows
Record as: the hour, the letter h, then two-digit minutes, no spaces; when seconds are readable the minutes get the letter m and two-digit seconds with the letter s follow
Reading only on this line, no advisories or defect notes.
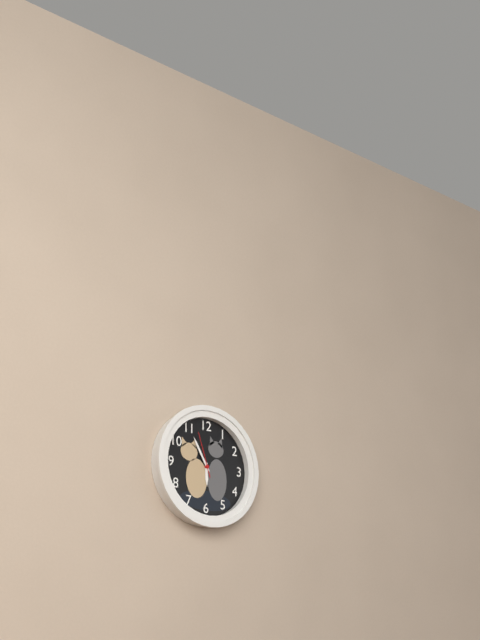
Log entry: 5h55
